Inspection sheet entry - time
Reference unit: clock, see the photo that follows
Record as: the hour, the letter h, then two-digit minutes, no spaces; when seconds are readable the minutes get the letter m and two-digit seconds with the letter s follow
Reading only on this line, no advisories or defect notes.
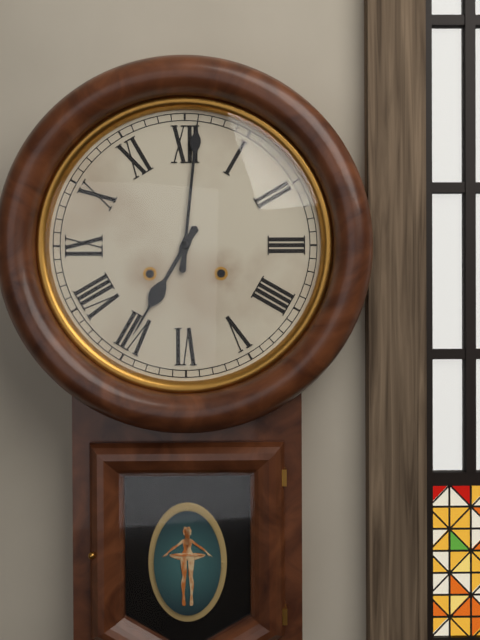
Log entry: 7h01
